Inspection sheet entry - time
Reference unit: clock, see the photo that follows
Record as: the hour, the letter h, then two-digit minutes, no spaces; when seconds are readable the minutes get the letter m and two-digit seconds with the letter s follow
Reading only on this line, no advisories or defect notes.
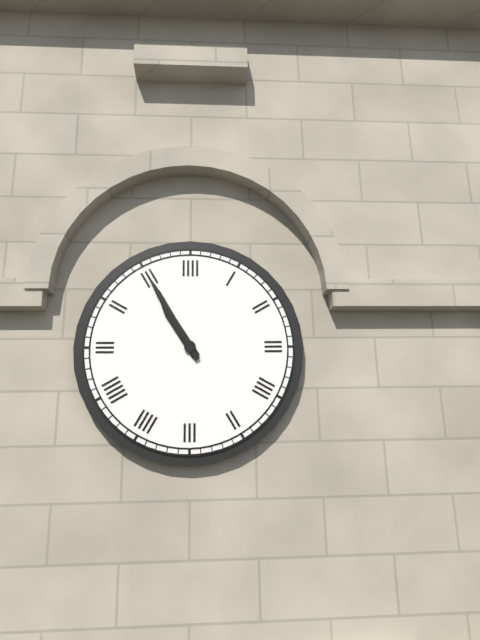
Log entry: 10h55
